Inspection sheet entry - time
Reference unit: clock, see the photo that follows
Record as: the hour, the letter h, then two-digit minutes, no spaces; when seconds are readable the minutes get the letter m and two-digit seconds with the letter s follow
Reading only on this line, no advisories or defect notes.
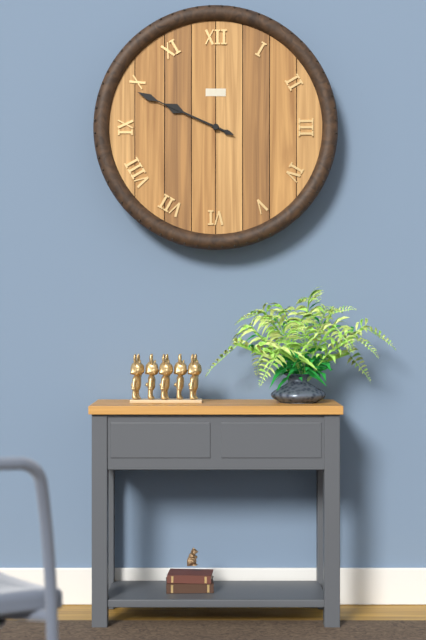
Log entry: 9h49
